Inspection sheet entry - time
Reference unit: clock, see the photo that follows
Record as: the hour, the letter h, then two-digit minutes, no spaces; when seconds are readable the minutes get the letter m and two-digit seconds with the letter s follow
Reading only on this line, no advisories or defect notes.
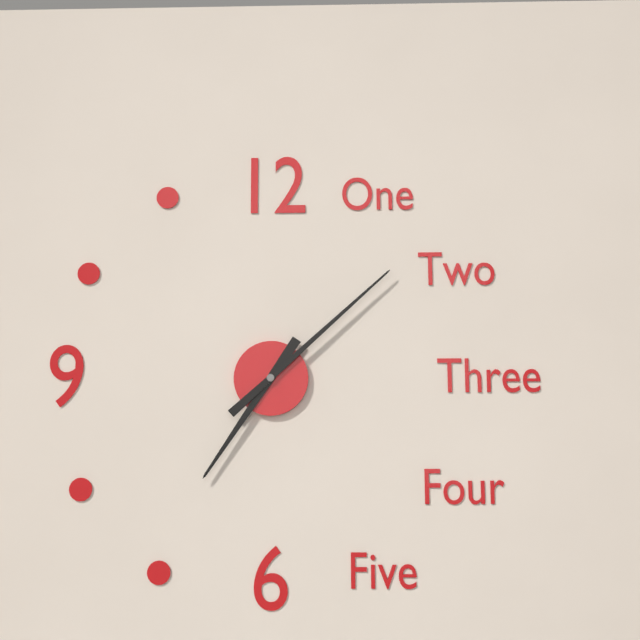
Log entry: 7h08
